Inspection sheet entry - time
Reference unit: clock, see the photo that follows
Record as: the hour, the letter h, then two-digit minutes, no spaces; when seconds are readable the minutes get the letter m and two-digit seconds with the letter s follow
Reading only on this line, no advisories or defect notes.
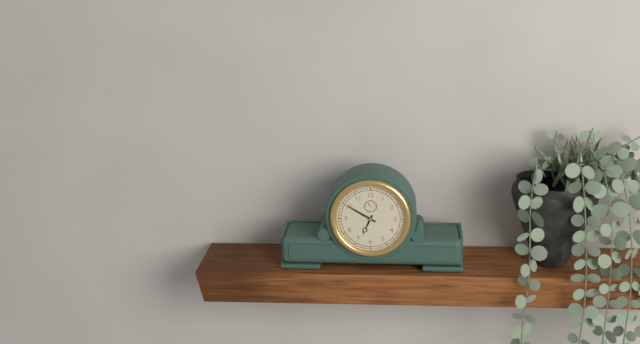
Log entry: 6h50
